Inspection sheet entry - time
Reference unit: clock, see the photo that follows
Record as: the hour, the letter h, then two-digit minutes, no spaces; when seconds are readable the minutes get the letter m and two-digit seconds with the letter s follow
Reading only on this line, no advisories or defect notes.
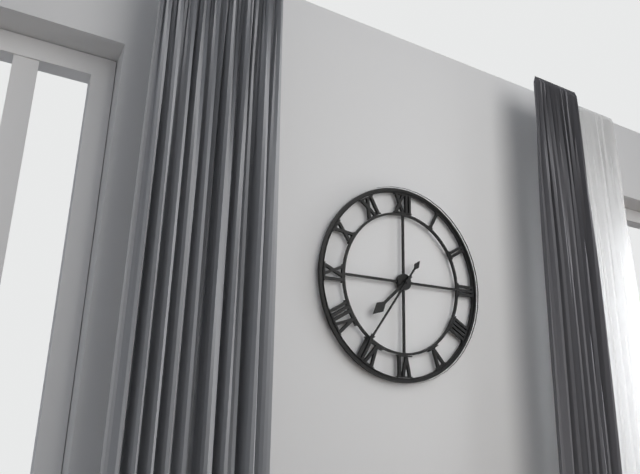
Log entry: 7h36
